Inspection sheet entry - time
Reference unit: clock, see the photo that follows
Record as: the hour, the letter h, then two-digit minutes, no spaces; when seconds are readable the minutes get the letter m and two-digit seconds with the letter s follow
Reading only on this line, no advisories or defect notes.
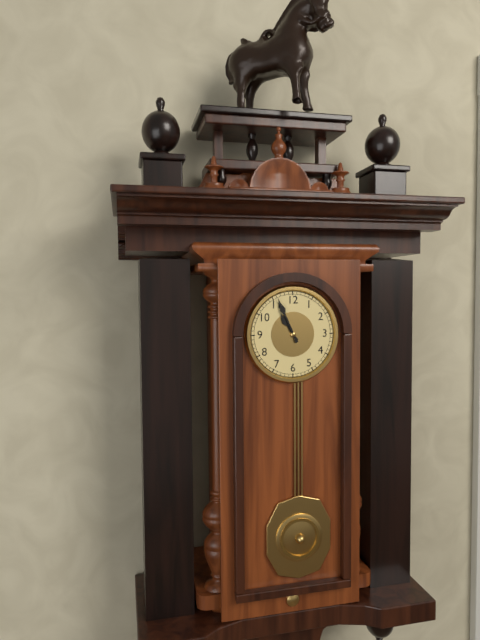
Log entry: 10h56
